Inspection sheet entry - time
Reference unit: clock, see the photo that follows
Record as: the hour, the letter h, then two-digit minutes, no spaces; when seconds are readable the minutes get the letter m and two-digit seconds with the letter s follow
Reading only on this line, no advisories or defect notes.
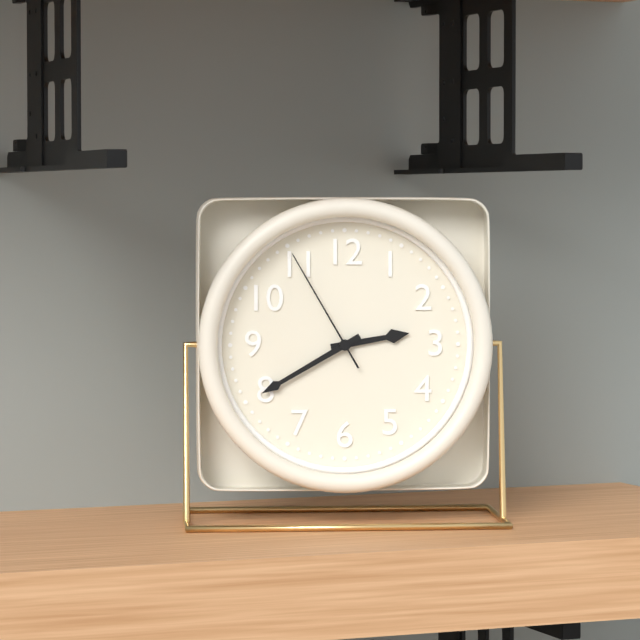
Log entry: 2h40m55s
